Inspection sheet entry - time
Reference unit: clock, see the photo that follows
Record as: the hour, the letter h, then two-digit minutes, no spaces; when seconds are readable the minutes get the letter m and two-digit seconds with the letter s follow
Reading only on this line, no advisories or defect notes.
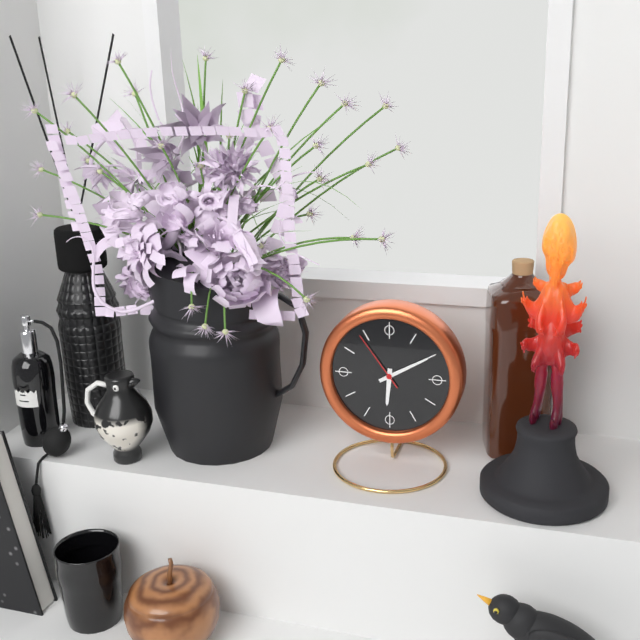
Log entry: 6h10m54s
